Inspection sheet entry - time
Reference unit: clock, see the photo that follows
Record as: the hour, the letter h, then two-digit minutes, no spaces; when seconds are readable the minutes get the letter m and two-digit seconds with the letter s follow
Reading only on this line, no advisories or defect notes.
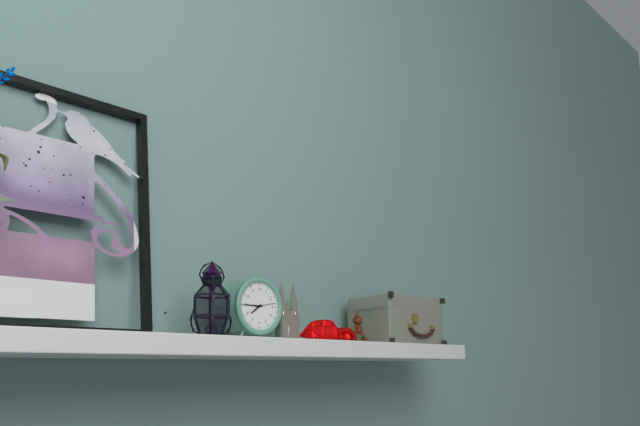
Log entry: 7h45
